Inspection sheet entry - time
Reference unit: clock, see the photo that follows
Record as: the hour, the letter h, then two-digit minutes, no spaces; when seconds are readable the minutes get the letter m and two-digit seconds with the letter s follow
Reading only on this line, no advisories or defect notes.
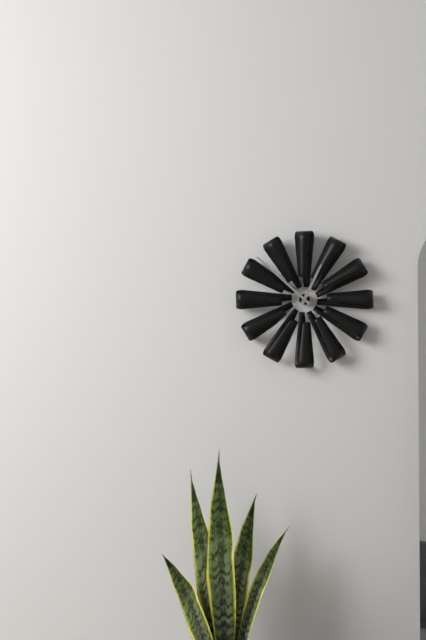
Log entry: 12h52m38s
